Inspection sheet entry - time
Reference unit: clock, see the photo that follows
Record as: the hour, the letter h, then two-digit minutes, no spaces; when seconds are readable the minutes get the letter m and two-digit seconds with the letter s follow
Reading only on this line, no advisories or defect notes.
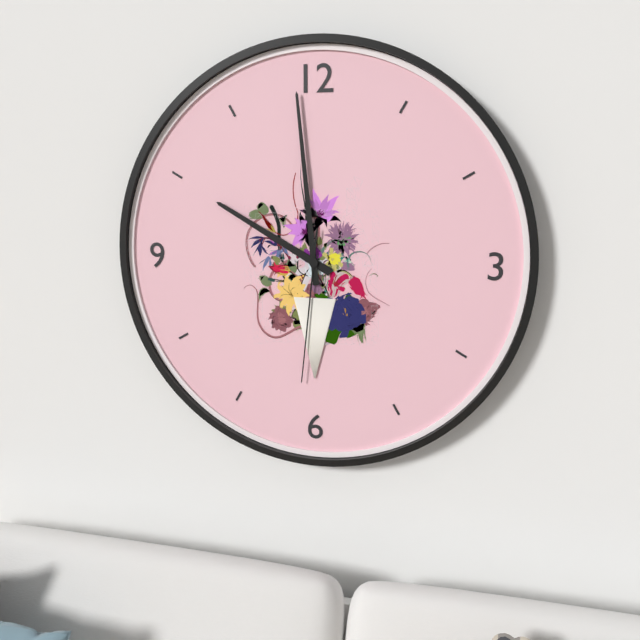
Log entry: 9h59m31s
